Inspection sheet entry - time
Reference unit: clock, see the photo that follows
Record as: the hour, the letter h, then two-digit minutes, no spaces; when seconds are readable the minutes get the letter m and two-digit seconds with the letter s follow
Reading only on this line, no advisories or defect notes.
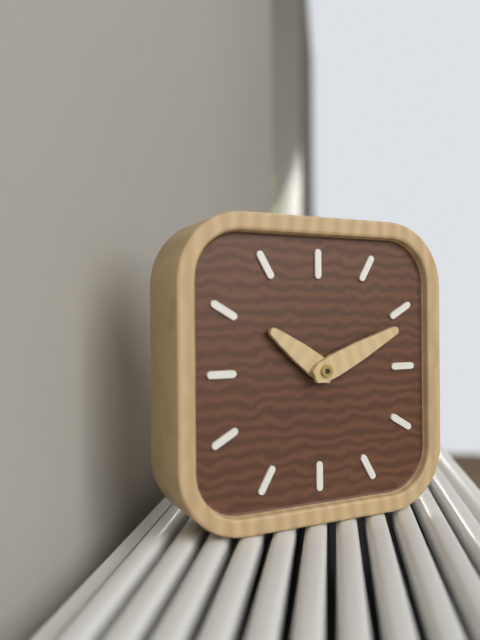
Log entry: 10h11
